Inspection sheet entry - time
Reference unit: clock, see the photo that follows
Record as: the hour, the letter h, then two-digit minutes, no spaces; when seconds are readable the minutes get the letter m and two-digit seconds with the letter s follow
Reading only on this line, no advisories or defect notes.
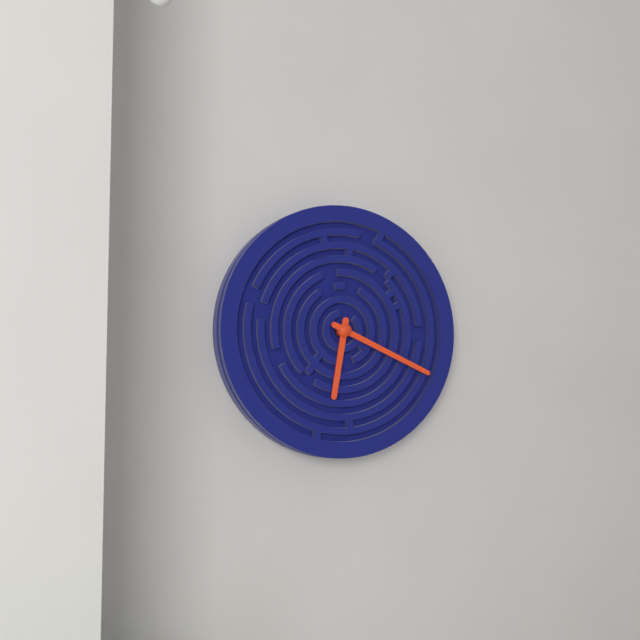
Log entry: 6h19
